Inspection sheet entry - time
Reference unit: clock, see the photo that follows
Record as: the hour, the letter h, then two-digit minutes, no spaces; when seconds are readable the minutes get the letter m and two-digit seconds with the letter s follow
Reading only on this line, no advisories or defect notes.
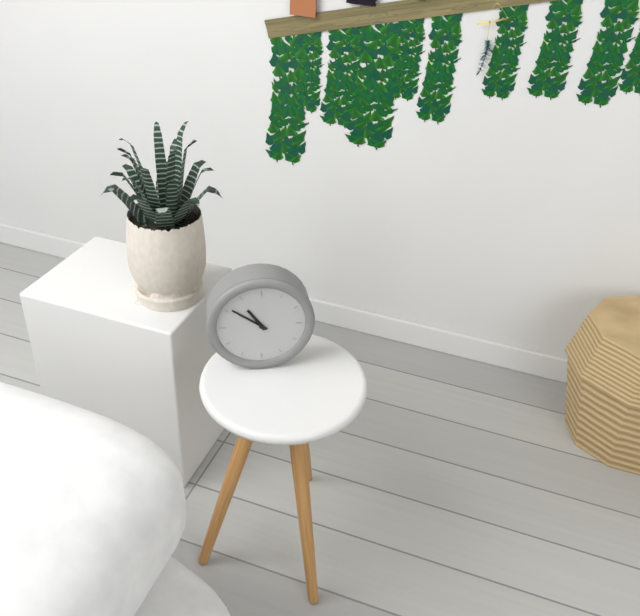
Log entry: 10h51
